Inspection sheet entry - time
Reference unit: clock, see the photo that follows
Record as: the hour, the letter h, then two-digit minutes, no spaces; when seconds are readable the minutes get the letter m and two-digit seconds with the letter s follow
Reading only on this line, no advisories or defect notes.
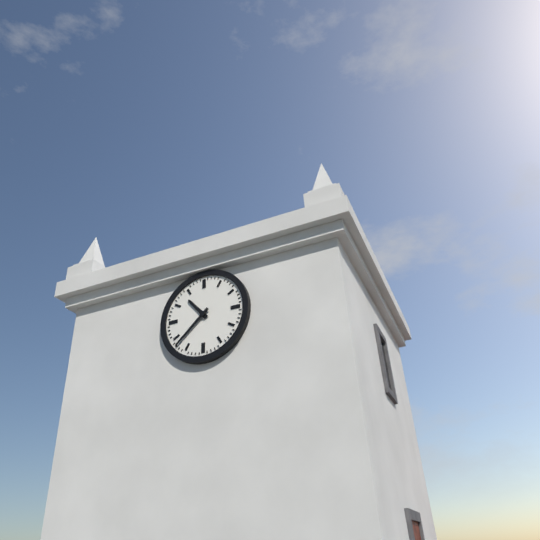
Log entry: 10h38
